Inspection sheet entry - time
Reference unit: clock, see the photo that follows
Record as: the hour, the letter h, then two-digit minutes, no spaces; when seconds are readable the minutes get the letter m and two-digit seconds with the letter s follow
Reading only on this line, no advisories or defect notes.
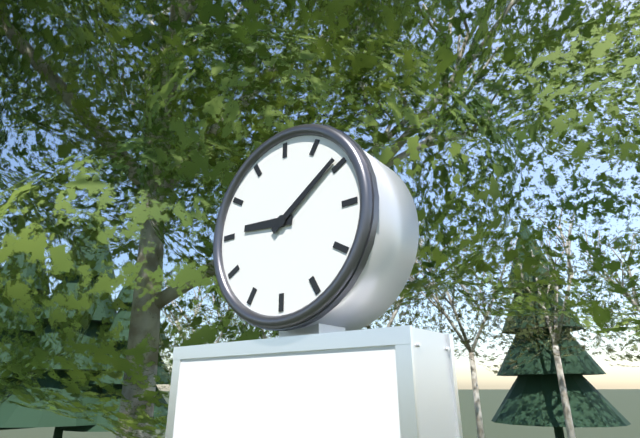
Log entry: 9h09
